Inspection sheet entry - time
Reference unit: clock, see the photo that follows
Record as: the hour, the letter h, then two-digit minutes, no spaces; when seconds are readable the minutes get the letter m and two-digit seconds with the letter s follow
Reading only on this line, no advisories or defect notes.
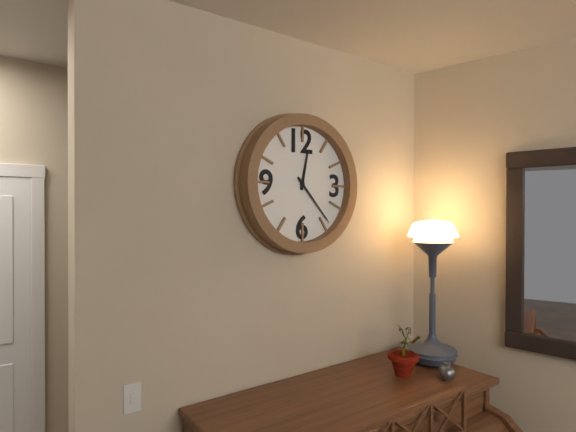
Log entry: 12h23
